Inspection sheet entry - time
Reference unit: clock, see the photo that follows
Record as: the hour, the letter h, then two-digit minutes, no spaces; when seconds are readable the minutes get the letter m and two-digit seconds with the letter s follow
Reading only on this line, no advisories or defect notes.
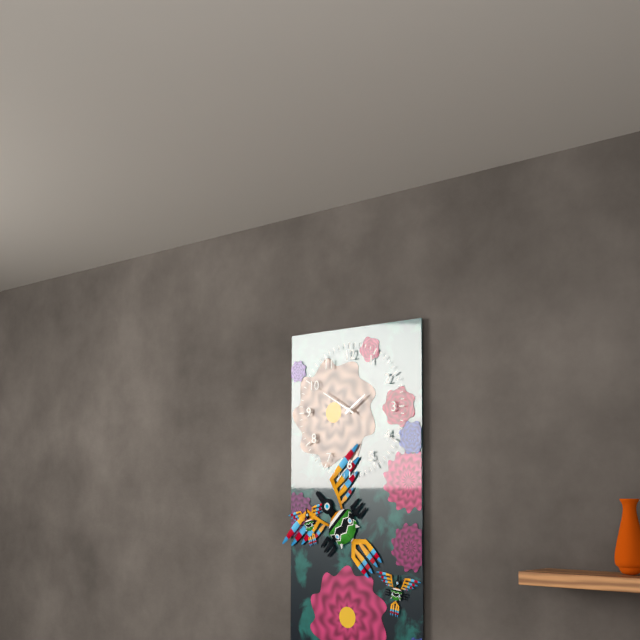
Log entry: 1h50
